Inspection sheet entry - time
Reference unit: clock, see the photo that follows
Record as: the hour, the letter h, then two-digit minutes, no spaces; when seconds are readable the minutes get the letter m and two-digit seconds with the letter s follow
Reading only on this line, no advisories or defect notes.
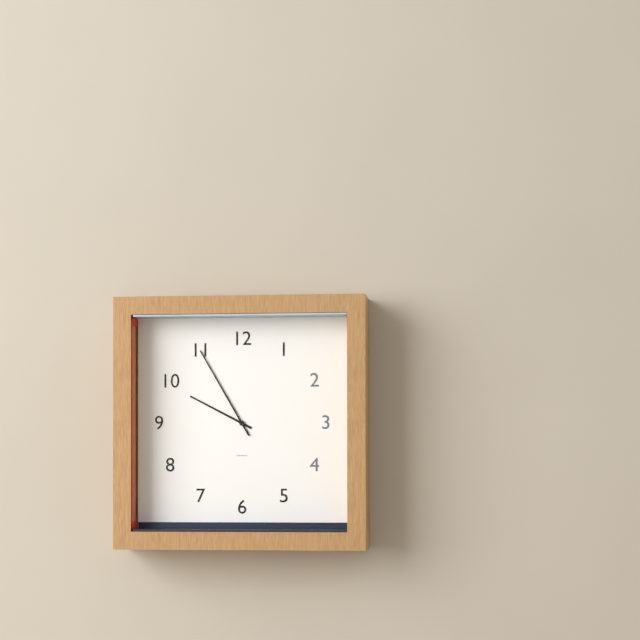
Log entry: 9h55
